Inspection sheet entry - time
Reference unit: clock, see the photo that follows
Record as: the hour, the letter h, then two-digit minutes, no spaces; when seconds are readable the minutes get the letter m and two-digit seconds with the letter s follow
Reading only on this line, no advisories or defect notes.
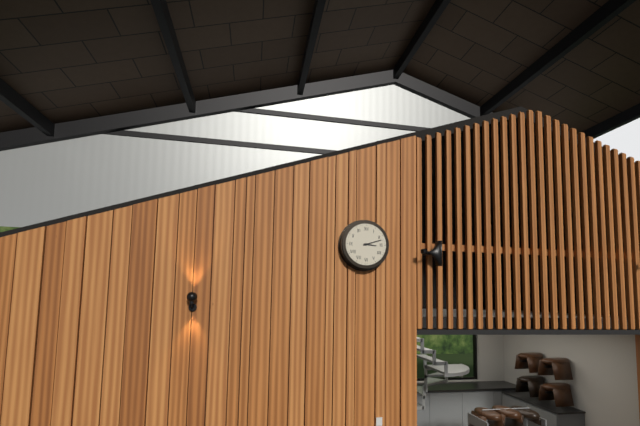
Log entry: 3h12
